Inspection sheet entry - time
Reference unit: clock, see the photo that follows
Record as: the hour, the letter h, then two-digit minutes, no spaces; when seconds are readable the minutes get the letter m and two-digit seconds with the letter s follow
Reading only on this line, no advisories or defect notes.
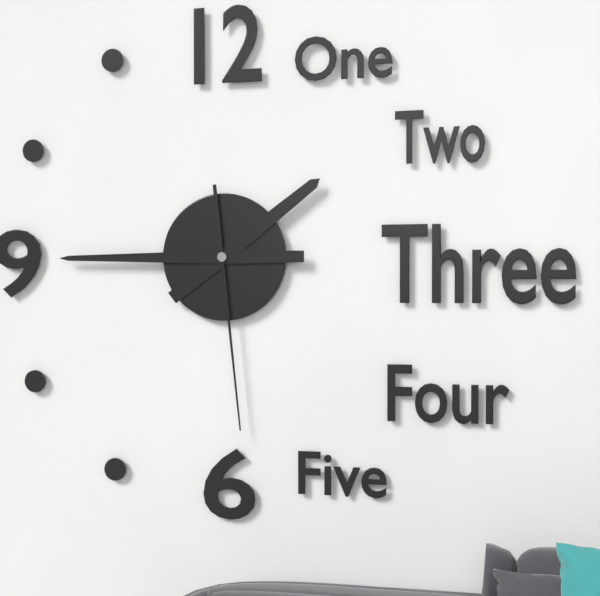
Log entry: 1h45m29s
